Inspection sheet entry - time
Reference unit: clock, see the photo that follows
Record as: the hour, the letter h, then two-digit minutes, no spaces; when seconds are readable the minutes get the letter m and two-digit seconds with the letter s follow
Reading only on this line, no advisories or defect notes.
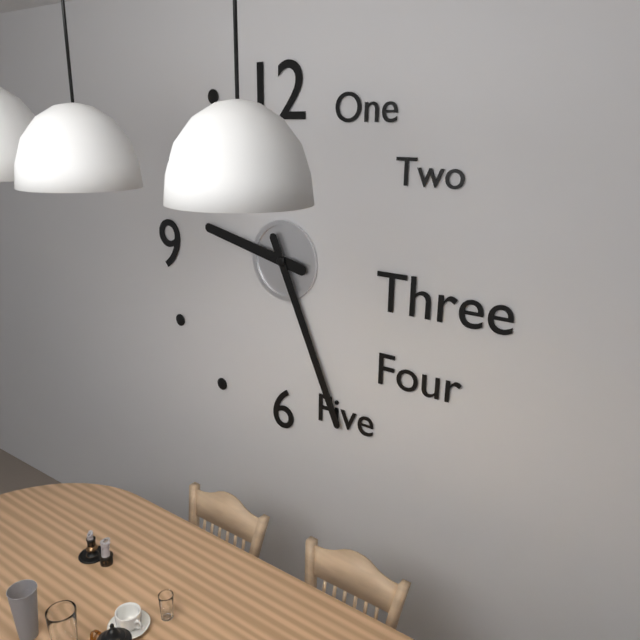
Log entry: 9h26
